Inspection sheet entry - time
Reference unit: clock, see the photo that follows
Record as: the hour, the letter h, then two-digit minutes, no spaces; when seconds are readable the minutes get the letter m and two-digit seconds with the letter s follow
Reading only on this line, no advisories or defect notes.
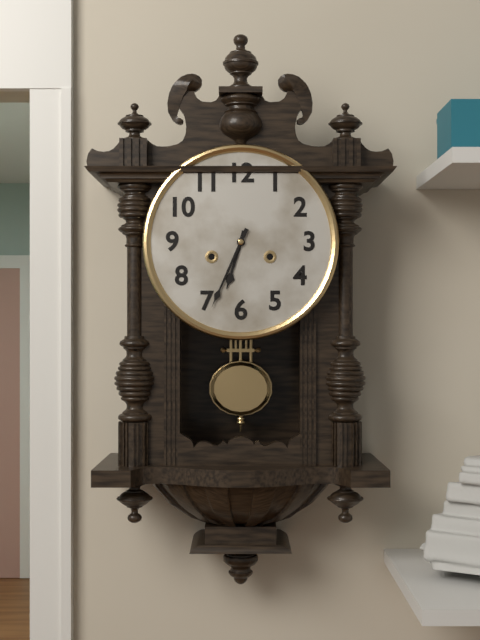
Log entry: 6h34
